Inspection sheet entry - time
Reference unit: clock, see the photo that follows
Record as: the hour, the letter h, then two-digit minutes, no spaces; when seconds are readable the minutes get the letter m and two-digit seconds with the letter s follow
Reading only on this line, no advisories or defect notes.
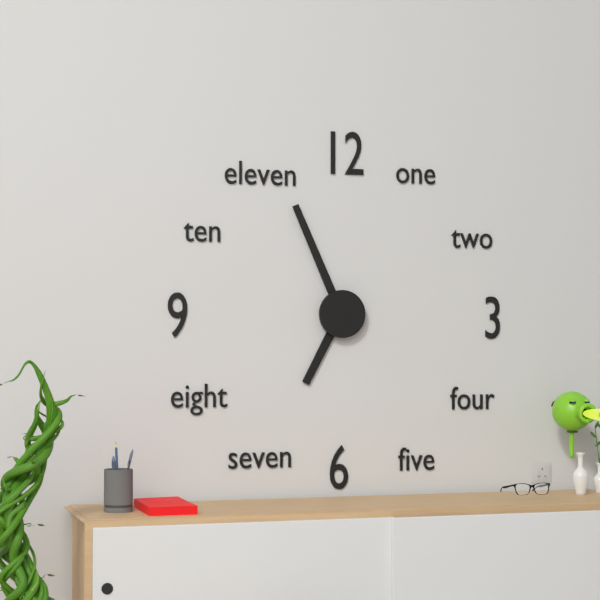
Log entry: 6h56
